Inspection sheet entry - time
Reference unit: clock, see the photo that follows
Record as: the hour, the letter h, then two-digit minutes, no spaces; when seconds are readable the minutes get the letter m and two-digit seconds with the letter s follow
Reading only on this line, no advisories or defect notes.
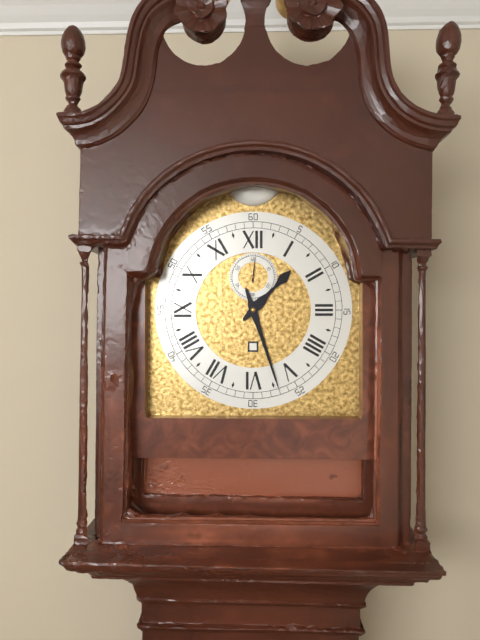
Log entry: 1h27
